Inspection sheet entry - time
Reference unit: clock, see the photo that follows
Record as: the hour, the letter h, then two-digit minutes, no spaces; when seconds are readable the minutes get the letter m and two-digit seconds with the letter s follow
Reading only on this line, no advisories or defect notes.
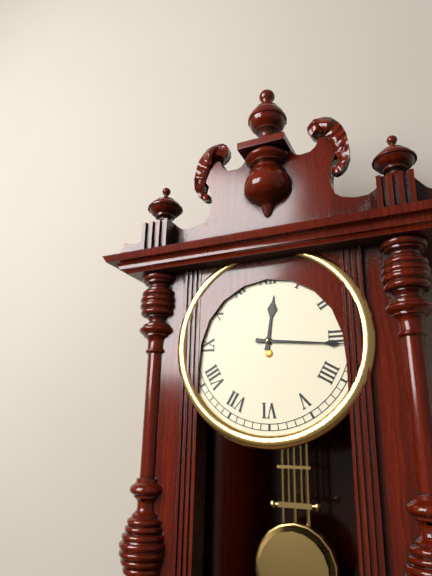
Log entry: 12h16
